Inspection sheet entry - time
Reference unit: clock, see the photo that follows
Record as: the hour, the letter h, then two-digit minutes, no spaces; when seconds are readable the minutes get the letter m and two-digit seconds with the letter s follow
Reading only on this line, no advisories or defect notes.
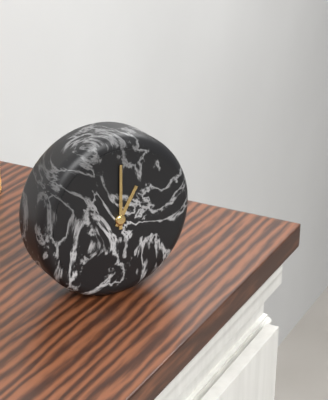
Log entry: 1h00
